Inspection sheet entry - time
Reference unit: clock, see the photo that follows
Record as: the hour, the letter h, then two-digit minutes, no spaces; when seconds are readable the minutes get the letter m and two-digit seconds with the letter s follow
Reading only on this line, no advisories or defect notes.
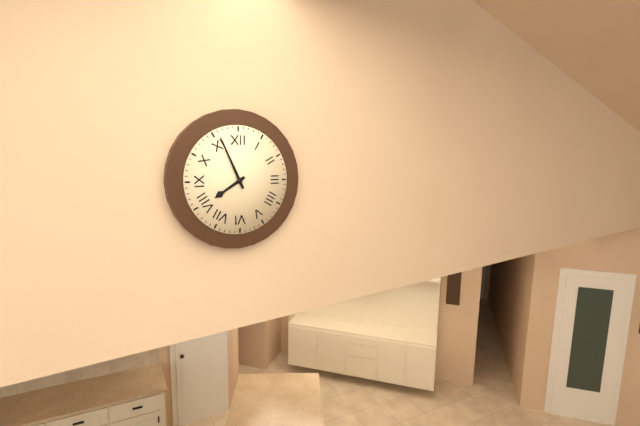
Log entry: 7h56
